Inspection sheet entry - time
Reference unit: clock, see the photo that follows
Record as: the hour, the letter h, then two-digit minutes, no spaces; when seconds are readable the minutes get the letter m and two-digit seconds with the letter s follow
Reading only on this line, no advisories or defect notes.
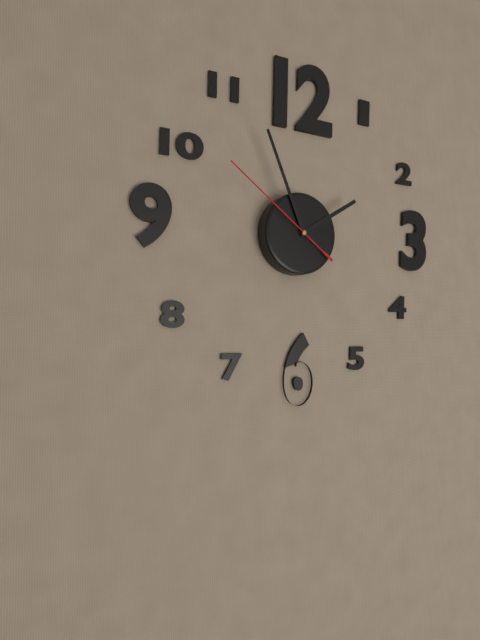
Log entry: 1h56m51s
